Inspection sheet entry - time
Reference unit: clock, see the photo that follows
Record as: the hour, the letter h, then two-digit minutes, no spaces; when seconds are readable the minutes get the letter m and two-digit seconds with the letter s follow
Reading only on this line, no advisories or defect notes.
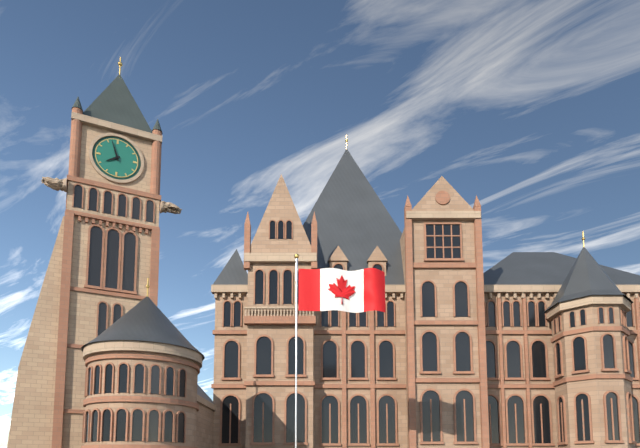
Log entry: 7h57
